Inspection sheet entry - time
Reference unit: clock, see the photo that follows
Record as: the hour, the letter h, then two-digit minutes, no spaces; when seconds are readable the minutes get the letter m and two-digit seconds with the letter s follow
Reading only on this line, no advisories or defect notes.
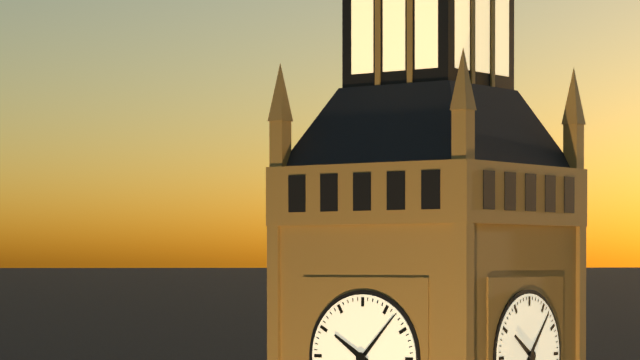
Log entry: 10h07
